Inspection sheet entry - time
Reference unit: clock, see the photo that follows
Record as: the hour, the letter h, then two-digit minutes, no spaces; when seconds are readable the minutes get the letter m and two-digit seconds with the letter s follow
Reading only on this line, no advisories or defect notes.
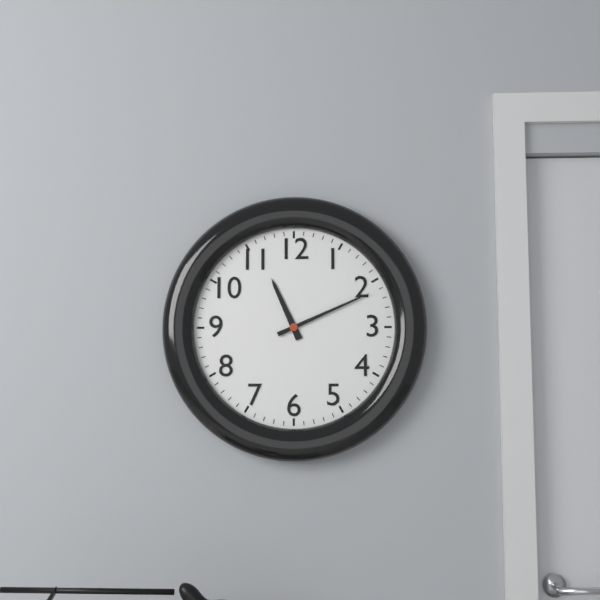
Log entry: 11h11
